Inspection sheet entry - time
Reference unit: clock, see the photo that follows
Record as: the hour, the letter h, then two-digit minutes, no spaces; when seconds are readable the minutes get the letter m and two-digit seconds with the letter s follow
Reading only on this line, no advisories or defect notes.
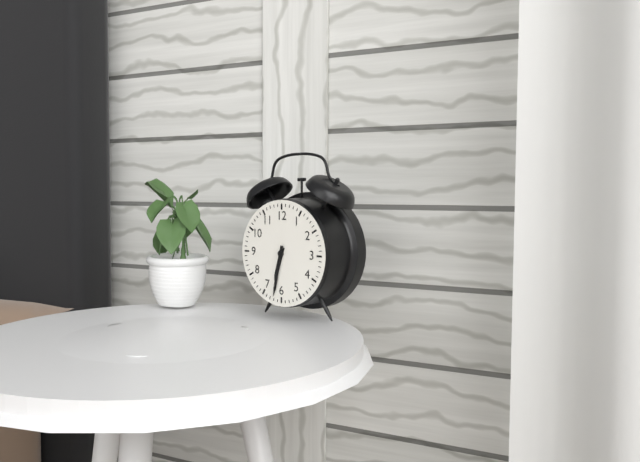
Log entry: 6h32
